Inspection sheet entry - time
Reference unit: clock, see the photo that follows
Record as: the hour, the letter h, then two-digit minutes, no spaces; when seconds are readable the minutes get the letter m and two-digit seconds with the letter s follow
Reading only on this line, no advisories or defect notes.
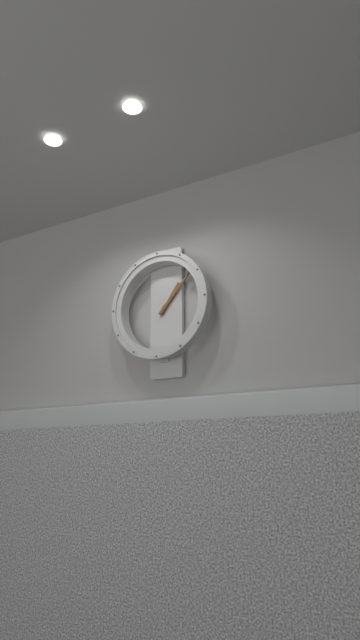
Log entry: 1h07
